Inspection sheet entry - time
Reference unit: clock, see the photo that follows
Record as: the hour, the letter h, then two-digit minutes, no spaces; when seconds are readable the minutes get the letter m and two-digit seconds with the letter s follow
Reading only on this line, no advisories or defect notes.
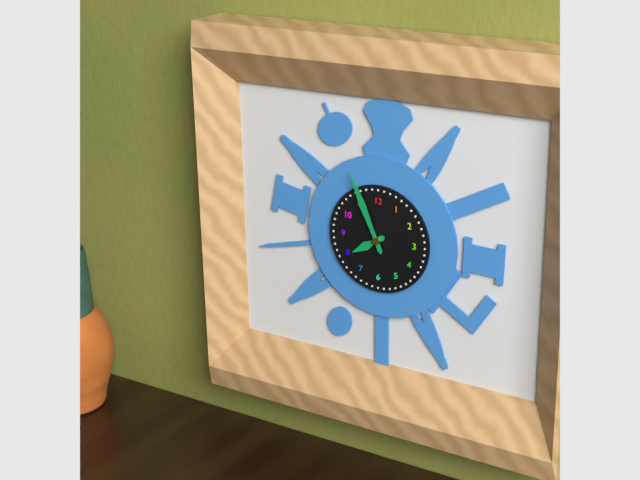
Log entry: 7h56
